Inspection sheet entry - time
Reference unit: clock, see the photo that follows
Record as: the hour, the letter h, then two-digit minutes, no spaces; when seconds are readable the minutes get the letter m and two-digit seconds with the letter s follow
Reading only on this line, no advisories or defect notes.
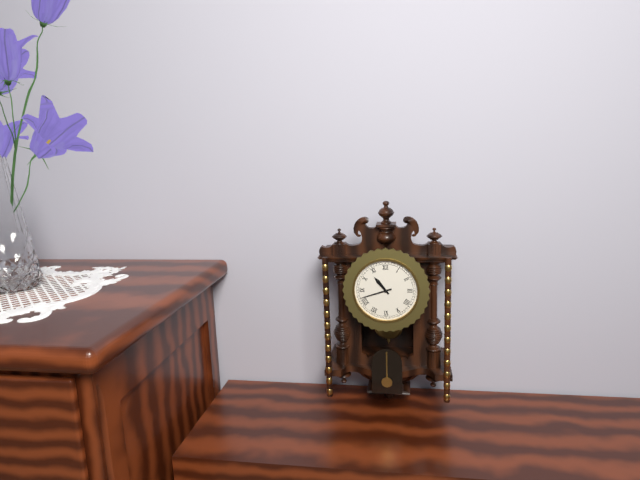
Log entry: 10h42
